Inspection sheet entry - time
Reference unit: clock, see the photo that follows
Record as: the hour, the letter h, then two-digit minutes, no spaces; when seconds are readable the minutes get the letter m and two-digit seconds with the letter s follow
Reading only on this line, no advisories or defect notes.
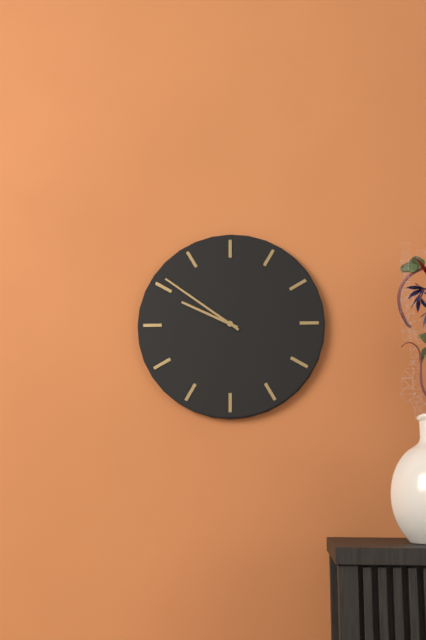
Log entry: 9h51
